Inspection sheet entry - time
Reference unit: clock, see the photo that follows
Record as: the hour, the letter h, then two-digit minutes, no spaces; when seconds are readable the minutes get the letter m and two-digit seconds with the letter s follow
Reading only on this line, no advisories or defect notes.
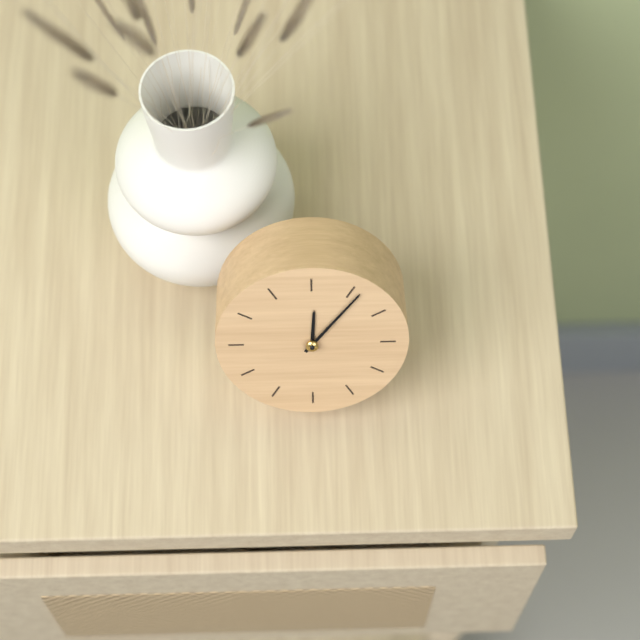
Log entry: 12h06
